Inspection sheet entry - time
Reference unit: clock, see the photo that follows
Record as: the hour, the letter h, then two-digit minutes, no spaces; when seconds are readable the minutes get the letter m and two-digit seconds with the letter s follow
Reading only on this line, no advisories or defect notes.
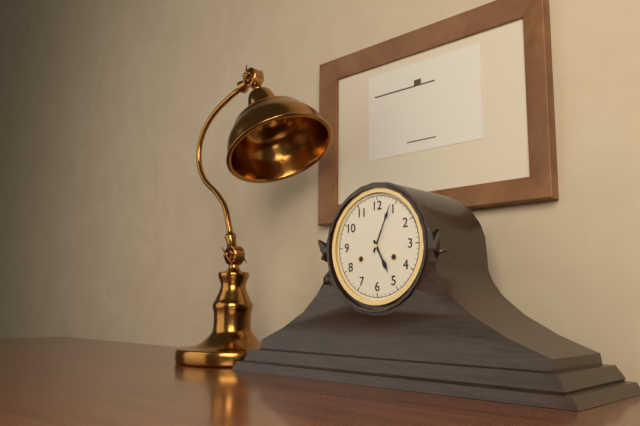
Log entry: 5h04
